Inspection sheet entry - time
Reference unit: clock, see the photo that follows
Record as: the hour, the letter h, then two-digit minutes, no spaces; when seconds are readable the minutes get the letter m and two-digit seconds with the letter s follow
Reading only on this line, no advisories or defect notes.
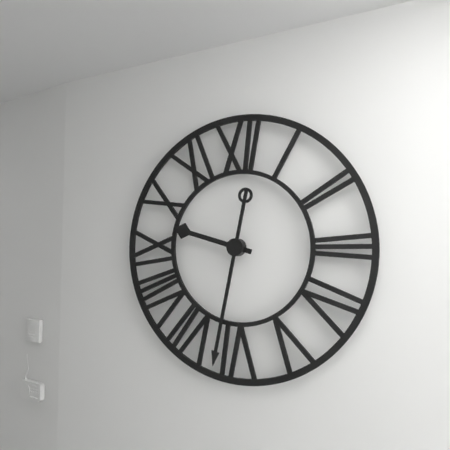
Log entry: 9h32
